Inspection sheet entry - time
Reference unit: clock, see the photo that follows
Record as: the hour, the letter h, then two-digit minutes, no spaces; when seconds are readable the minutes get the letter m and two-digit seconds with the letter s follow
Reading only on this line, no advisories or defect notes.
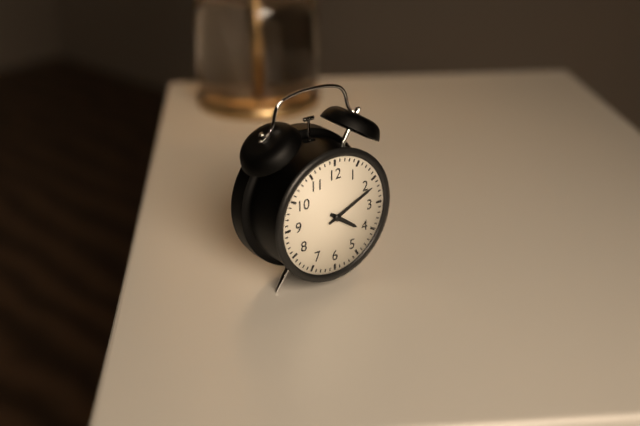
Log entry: 4h11
